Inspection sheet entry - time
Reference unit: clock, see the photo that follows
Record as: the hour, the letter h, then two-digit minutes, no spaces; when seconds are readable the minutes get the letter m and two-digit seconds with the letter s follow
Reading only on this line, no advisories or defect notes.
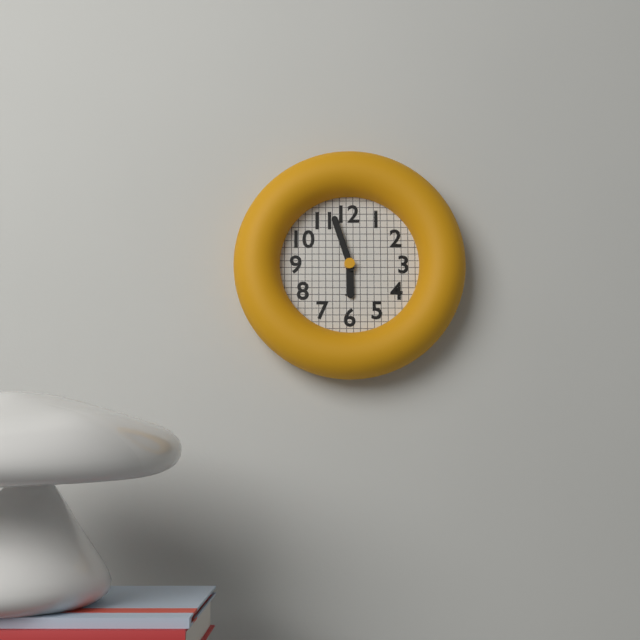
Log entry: 5h57
